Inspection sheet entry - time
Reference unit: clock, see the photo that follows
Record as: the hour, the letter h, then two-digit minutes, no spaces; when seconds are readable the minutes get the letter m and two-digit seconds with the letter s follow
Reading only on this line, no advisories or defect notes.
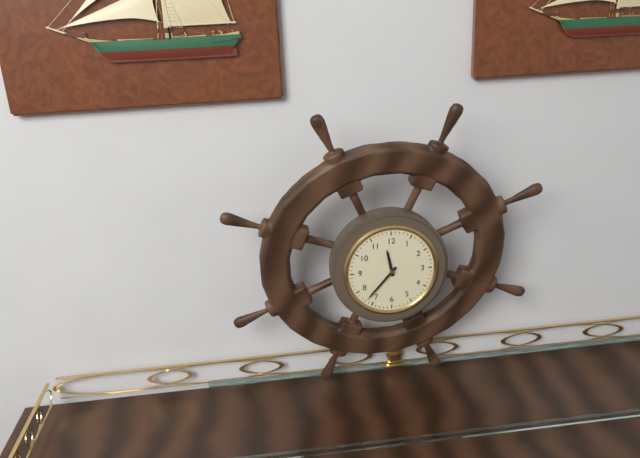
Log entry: 11h37
